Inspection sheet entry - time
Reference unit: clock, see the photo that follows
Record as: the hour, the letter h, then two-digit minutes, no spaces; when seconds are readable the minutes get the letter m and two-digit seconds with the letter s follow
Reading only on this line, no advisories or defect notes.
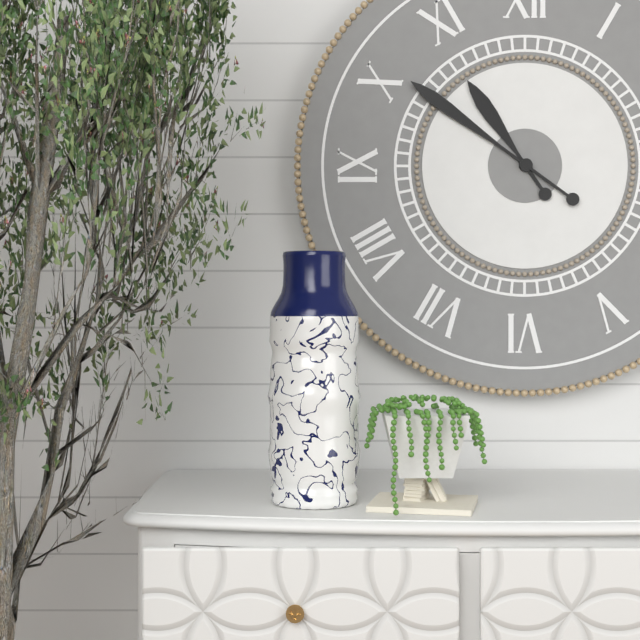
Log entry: 10h51
